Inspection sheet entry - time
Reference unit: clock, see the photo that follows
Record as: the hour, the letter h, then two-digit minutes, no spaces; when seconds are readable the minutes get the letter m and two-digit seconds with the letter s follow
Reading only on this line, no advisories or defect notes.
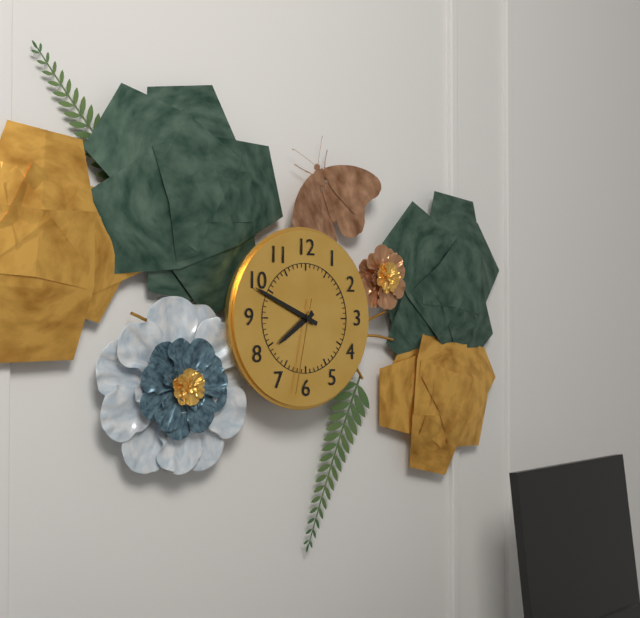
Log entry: 7h49m32s
